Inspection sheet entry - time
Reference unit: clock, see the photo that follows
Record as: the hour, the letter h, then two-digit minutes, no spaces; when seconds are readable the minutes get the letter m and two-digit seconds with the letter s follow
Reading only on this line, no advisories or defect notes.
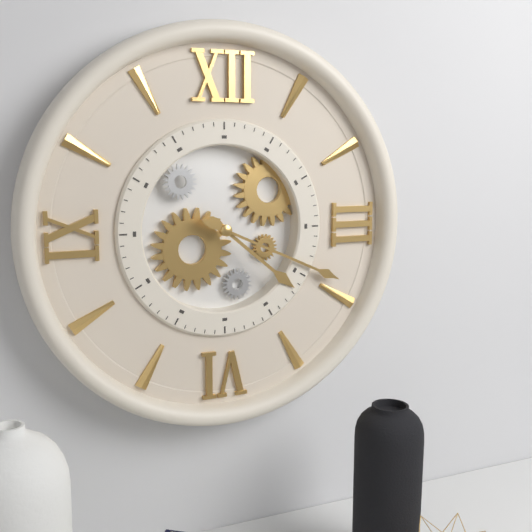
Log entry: 4h19
